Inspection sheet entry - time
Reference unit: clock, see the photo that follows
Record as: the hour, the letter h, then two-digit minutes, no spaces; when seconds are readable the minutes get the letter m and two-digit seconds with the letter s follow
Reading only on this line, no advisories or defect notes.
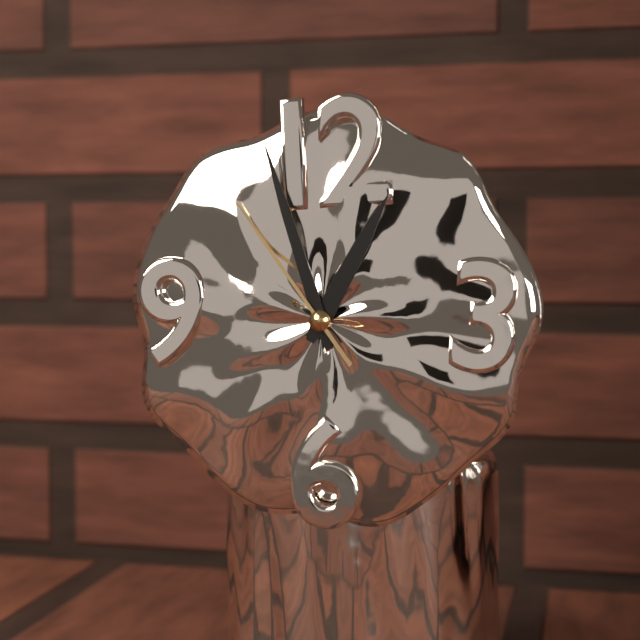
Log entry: 12h57m54s
